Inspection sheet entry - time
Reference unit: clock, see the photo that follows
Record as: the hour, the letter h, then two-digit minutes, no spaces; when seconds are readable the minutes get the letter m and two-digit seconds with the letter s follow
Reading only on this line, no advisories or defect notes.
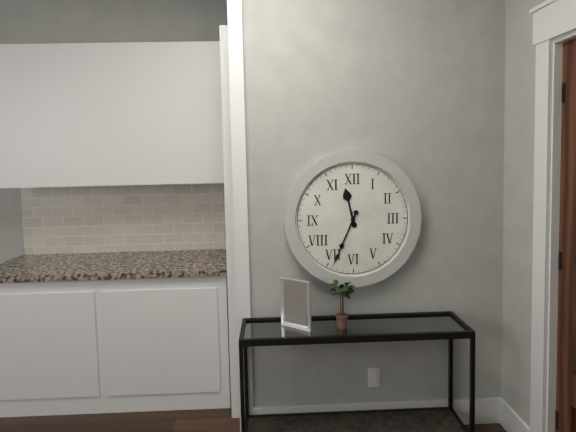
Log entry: 11h34
